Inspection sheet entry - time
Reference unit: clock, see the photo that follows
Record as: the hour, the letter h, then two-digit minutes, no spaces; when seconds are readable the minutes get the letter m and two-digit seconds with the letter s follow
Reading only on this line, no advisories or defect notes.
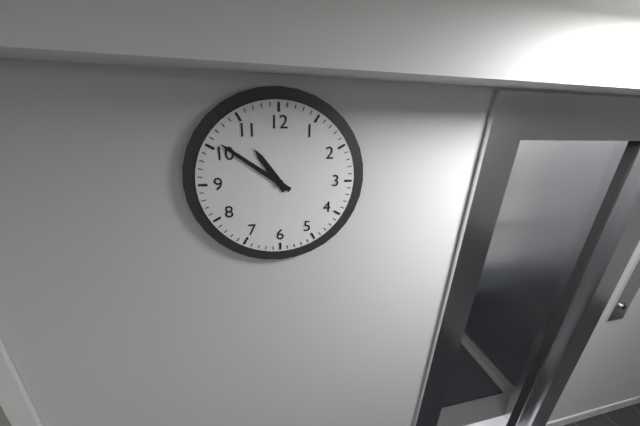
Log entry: 10h51
